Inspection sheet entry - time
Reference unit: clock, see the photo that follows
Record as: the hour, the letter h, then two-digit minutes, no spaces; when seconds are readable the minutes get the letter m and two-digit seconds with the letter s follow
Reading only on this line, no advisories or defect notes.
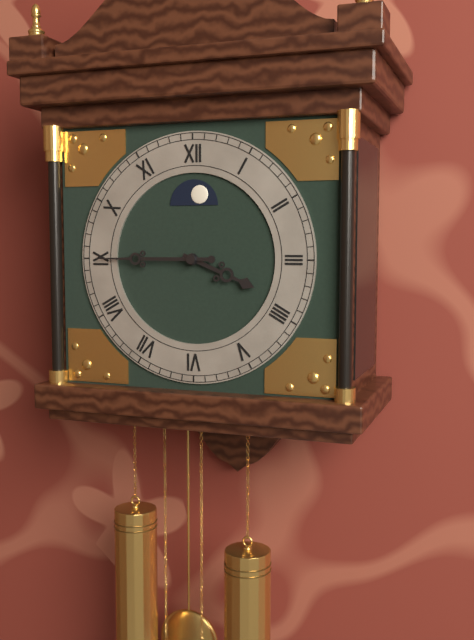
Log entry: 3h45
